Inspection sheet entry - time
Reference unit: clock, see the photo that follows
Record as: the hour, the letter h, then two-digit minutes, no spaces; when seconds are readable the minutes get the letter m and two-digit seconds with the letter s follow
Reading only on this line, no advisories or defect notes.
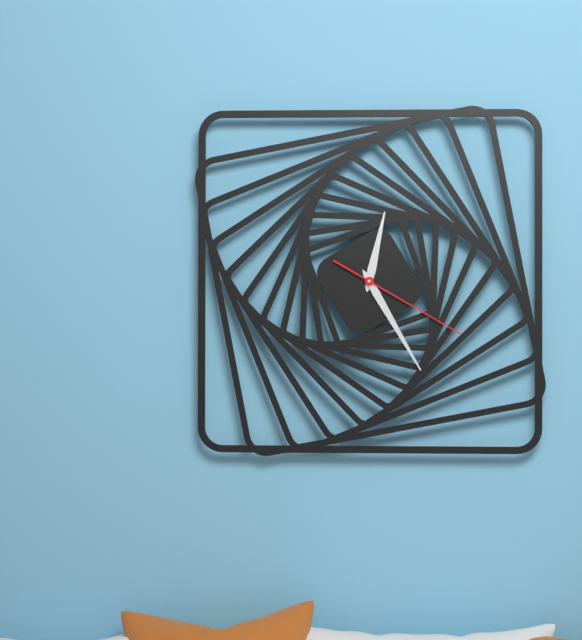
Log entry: 12h25m20s
